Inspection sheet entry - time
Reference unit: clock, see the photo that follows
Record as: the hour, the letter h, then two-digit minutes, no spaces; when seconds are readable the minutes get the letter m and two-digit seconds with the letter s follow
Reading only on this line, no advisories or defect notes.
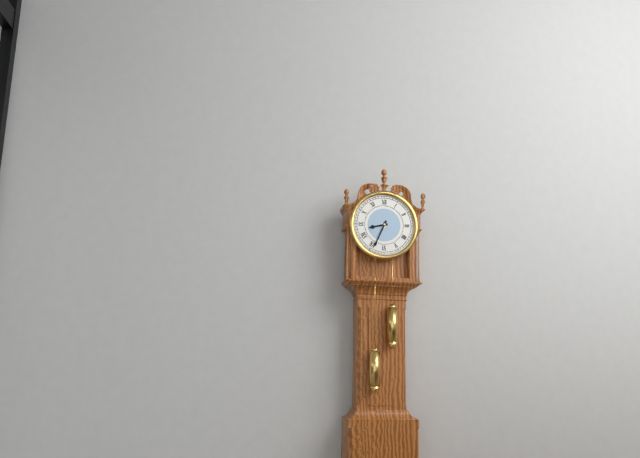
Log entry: 8h34
